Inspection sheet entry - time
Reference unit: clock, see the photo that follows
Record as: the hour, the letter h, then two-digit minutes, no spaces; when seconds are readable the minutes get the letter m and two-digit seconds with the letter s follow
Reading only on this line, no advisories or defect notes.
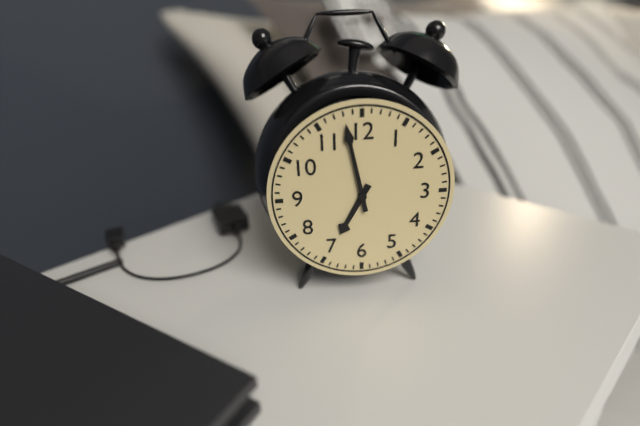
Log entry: 6h58
